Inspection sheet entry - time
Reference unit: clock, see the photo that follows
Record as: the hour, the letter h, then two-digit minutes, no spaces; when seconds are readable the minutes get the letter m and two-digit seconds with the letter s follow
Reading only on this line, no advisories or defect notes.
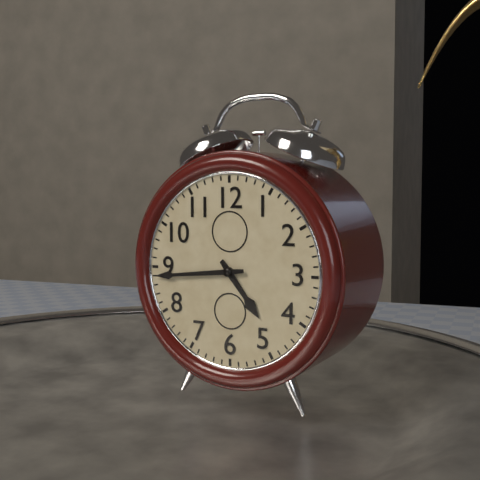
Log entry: 4h44
